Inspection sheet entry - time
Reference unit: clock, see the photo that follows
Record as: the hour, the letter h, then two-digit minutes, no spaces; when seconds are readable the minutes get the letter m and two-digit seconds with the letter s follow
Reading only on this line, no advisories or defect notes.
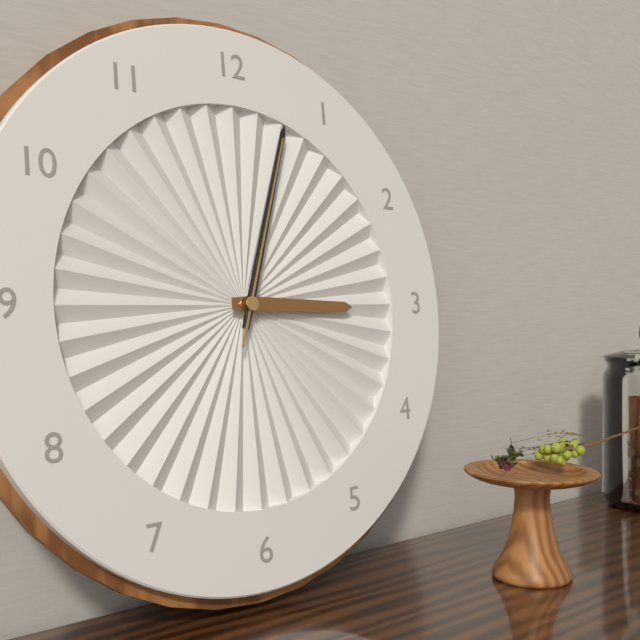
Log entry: 3h03m03s
